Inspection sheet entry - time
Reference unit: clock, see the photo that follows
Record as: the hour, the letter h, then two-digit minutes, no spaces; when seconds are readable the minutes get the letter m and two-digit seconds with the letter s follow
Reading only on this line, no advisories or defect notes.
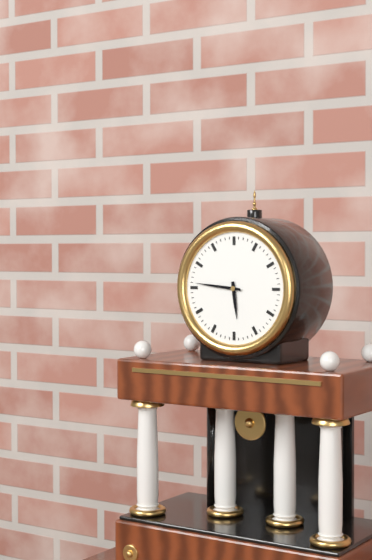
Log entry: 5h46
